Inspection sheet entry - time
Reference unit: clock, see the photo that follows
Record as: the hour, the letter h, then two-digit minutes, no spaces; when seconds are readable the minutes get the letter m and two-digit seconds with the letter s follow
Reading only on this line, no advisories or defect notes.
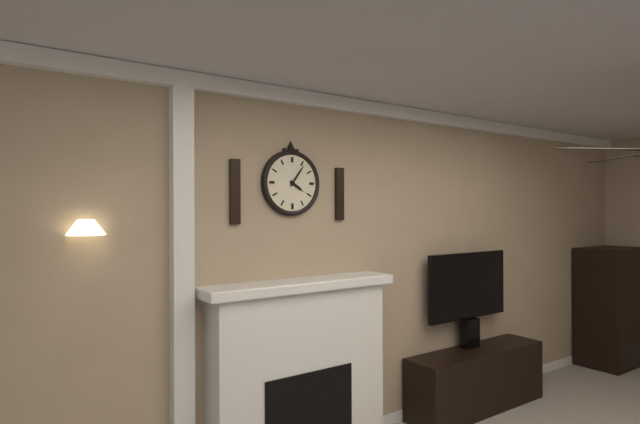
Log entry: 4h06
